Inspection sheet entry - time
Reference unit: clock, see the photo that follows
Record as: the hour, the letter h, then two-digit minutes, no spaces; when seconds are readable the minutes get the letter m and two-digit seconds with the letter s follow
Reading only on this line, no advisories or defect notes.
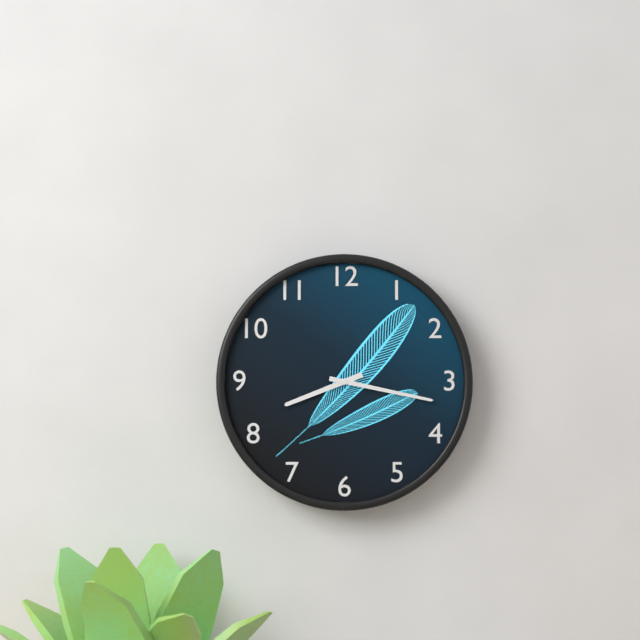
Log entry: 8h17
